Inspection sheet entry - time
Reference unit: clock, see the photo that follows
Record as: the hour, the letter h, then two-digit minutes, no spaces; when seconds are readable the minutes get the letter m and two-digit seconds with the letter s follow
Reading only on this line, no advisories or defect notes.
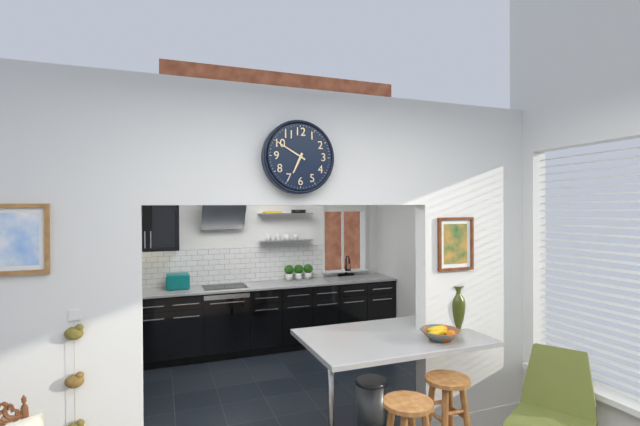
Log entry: 6h50
